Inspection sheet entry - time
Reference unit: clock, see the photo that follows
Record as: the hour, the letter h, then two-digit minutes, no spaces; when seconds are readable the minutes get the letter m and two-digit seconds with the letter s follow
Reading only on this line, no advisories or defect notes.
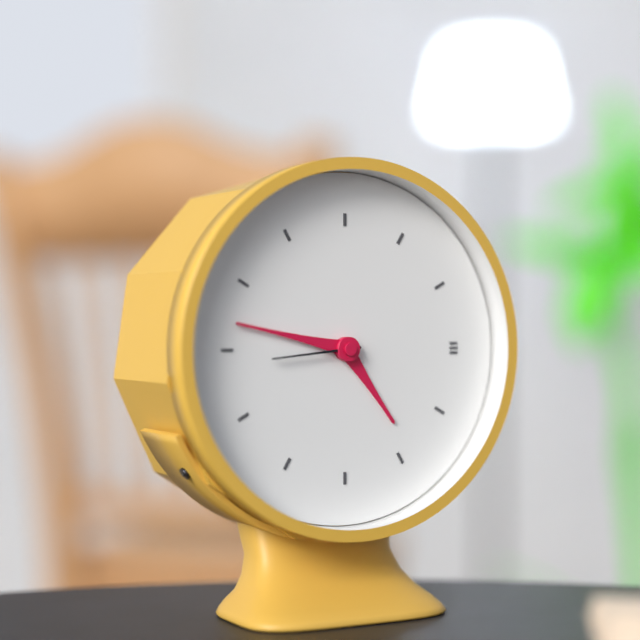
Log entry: 4h47m44s
